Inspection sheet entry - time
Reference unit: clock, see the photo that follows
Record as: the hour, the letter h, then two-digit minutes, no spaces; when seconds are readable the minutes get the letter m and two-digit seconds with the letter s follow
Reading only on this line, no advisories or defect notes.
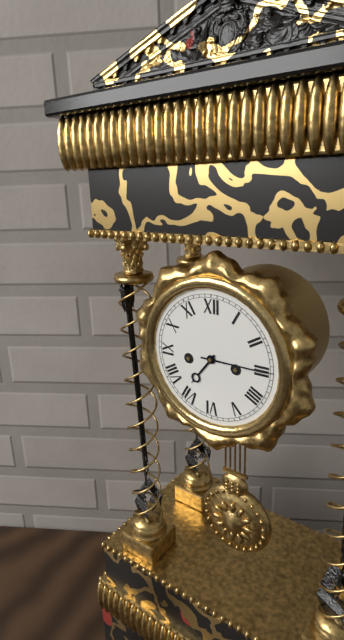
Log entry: 7h15
